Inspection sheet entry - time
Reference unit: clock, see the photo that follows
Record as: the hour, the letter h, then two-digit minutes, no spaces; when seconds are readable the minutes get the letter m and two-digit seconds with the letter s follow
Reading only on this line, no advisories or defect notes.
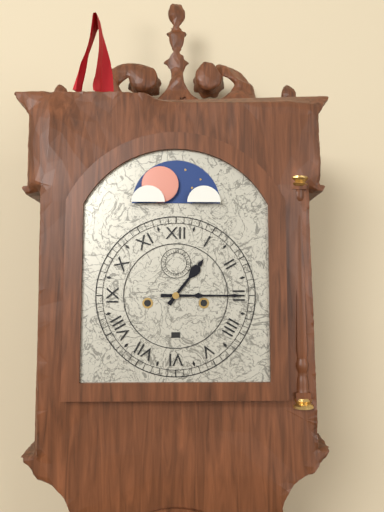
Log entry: 1h15
